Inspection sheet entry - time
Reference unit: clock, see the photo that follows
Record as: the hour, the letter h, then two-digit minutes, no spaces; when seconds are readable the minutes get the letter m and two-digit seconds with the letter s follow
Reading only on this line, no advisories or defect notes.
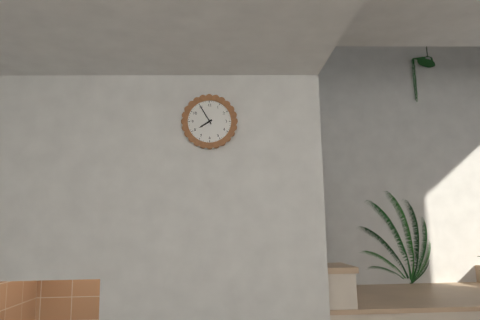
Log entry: 7h55
